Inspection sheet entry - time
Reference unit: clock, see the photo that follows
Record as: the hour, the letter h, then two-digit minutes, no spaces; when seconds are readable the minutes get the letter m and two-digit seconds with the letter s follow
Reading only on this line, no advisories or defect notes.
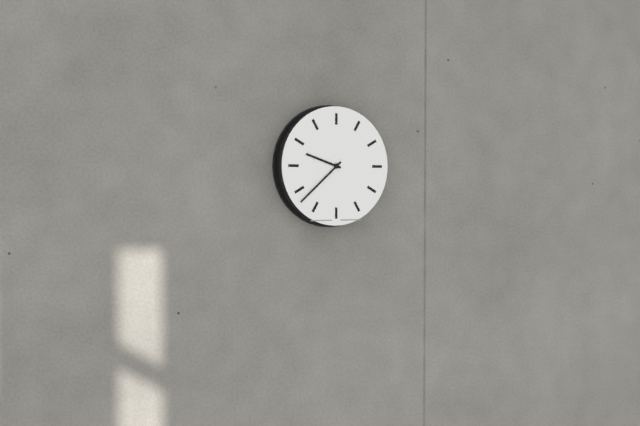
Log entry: 9h38
